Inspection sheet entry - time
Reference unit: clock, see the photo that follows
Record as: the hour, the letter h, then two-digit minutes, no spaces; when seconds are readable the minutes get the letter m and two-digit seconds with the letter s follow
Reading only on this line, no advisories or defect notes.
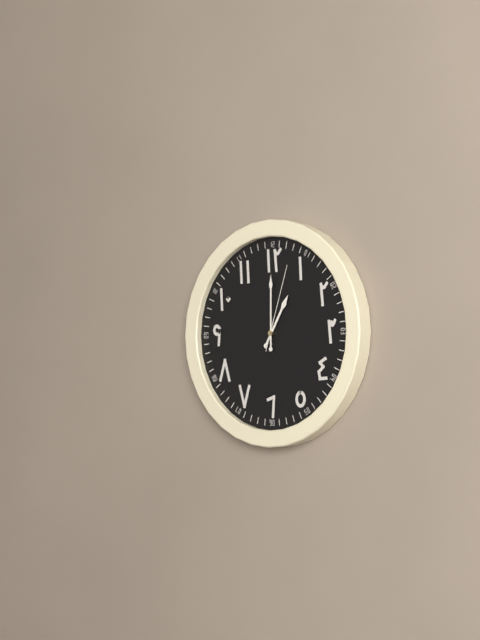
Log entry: 1h00m03s
